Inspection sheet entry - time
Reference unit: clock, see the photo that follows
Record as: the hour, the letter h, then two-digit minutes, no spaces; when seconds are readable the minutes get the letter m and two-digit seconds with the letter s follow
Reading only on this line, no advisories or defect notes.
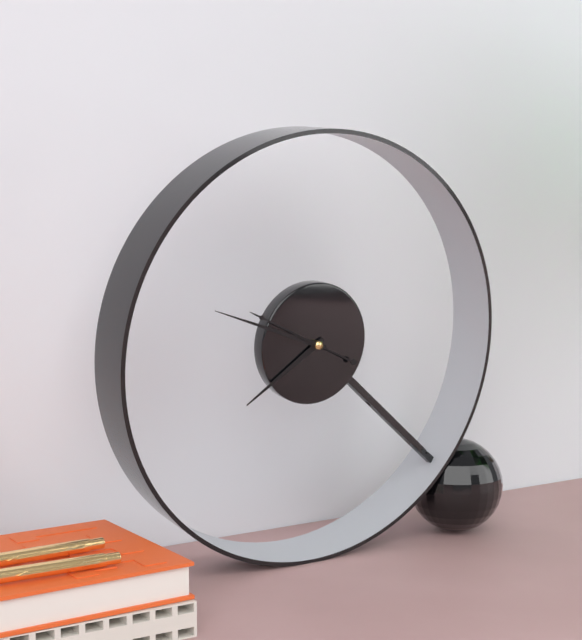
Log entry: 7h48m49s
